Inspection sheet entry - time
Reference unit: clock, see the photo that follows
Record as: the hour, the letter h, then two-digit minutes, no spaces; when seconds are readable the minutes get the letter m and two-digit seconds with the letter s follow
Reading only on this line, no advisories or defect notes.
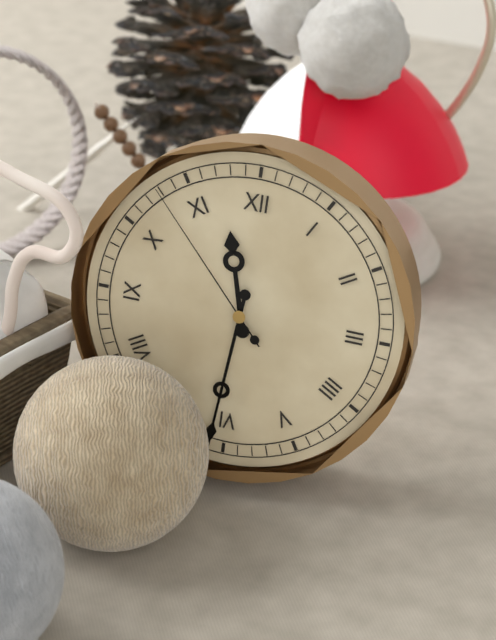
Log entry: 11h31m53s
